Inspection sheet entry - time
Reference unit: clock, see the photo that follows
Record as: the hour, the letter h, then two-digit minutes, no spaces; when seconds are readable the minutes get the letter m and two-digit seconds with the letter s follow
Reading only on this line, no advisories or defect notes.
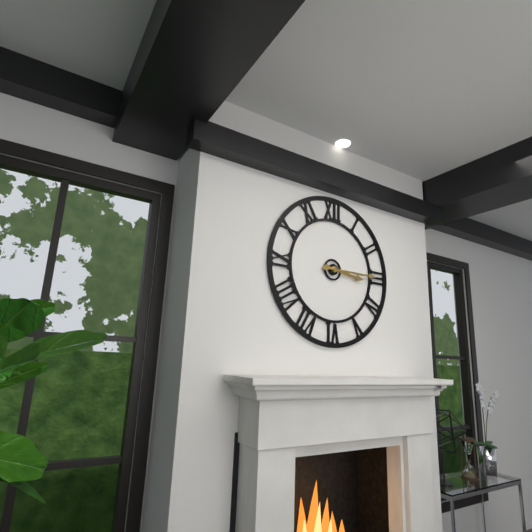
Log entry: 3h15
